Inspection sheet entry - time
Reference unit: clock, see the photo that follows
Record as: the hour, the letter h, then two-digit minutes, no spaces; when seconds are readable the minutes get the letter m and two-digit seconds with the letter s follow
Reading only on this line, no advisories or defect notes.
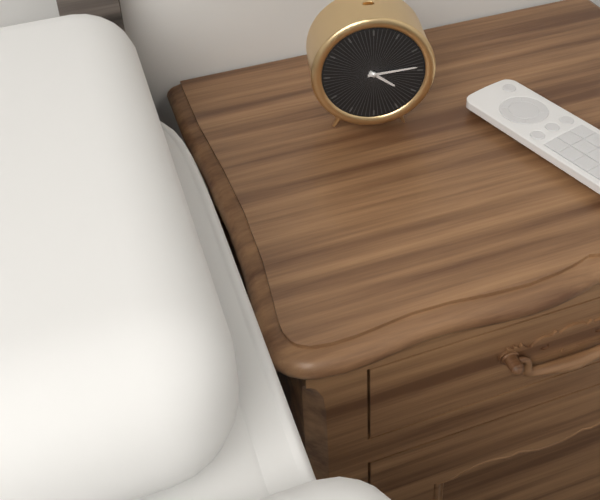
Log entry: 4h14
